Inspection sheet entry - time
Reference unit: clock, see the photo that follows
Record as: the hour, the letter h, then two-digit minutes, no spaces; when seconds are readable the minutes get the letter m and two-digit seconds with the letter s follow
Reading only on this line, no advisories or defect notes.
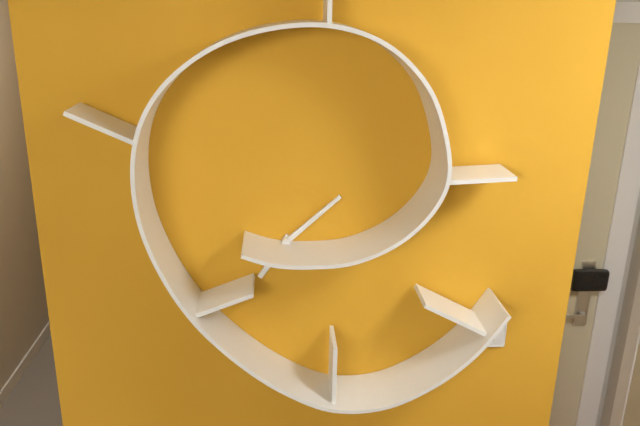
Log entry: 7h08
